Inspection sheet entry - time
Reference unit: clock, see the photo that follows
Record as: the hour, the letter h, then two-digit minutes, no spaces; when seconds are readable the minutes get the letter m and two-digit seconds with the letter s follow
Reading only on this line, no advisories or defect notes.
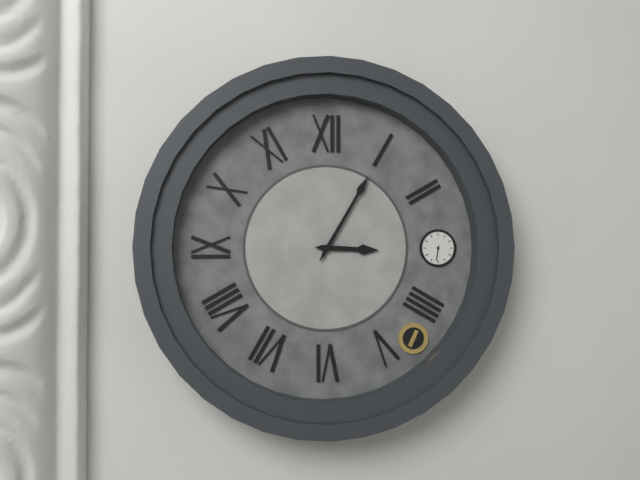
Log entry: 3h05
